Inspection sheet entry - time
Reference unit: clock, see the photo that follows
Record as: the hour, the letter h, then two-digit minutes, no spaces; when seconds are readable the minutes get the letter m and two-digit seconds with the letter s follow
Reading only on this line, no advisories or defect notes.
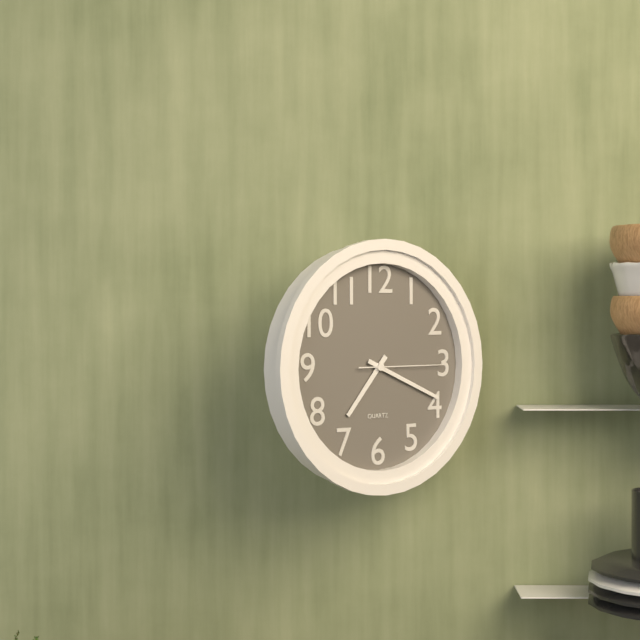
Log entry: 7h19m15s
